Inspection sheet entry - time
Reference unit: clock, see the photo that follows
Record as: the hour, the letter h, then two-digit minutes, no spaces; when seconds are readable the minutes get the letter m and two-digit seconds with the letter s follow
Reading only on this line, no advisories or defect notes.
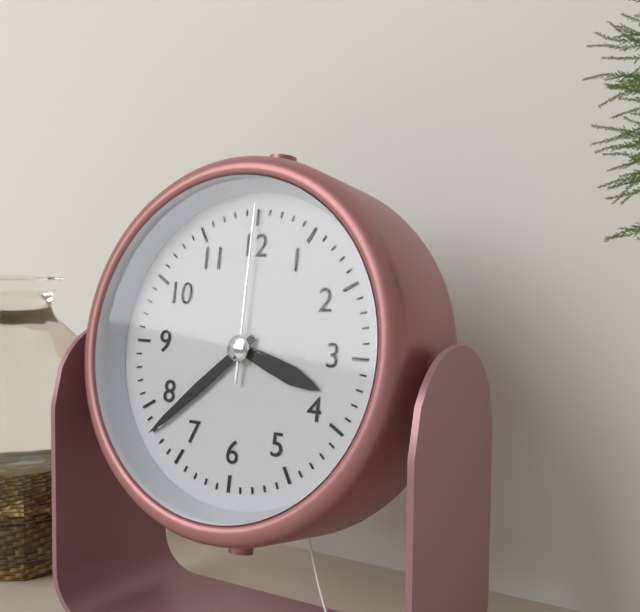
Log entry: 3h38m00s
